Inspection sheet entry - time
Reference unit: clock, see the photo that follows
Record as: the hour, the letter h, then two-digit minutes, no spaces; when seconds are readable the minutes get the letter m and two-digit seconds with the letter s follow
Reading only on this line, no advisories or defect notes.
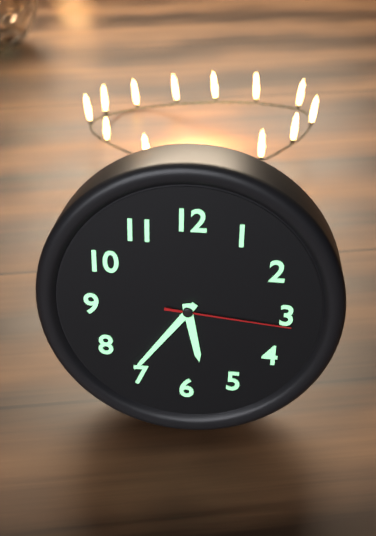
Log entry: 5h36m16s
